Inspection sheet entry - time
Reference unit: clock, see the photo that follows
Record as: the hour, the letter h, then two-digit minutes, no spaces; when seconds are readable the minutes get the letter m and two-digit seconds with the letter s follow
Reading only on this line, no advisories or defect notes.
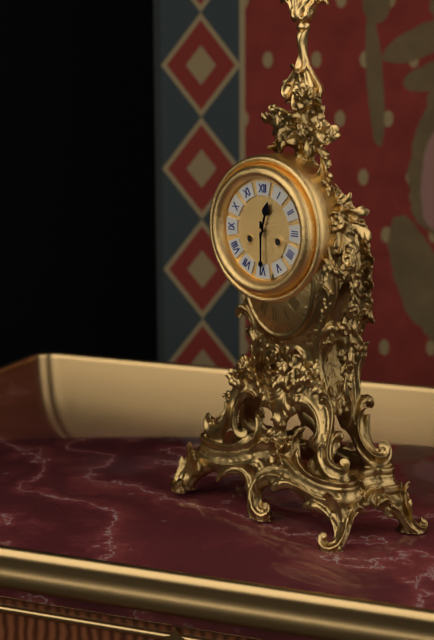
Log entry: 12h30
